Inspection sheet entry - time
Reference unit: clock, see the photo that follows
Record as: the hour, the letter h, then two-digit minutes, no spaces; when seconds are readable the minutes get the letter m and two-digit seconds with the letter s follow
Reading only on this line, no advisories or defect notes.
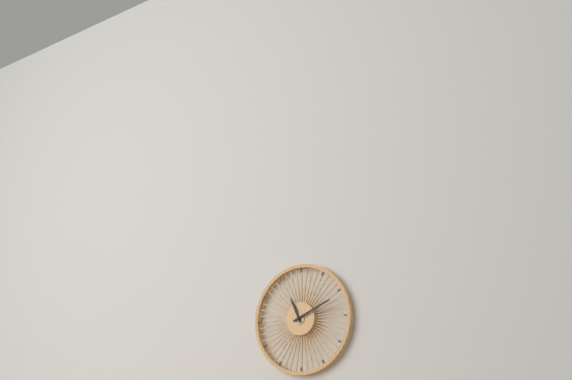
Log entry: 11h11
